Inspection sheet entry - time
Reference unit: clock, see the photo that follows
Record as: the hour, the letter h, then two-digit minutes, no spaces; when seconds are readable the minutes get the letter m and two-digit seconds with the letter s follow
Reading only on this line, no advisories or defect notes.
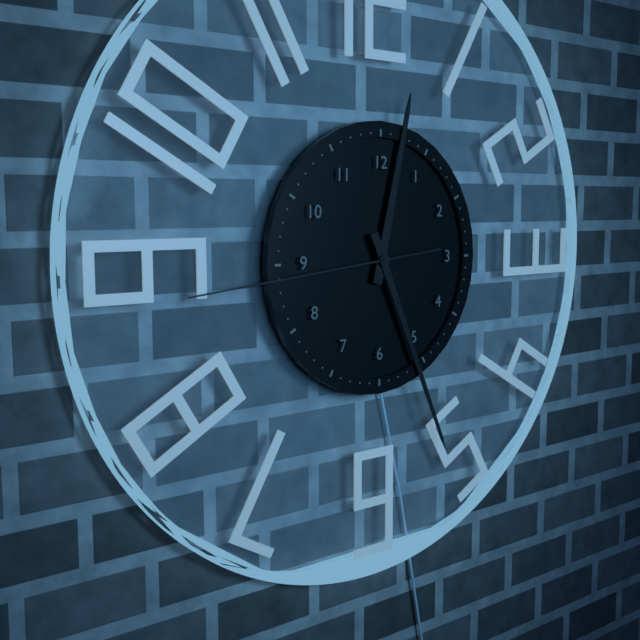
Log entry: 12h26m44s
